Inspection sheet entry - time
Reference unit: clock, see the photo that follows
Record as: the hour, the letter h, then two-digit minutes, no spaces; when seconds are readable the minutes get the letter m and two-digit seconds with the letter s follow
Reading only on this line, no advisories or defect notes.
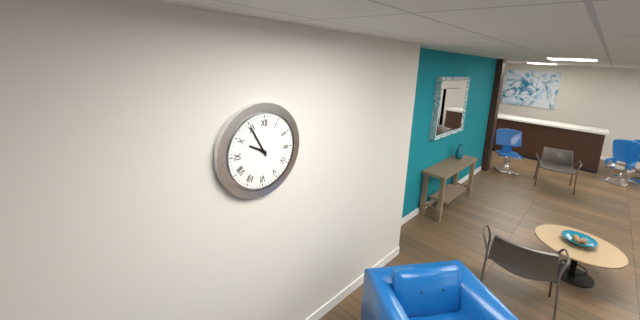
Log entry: 9h55
